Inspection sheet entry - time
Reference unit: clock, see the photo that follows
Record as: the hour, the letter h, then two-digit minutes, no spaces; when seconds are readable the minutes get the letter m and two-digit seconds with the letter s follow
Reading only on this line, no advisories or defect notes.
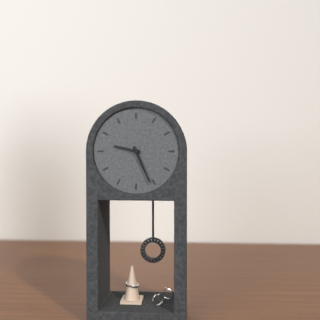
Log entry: 9h26
